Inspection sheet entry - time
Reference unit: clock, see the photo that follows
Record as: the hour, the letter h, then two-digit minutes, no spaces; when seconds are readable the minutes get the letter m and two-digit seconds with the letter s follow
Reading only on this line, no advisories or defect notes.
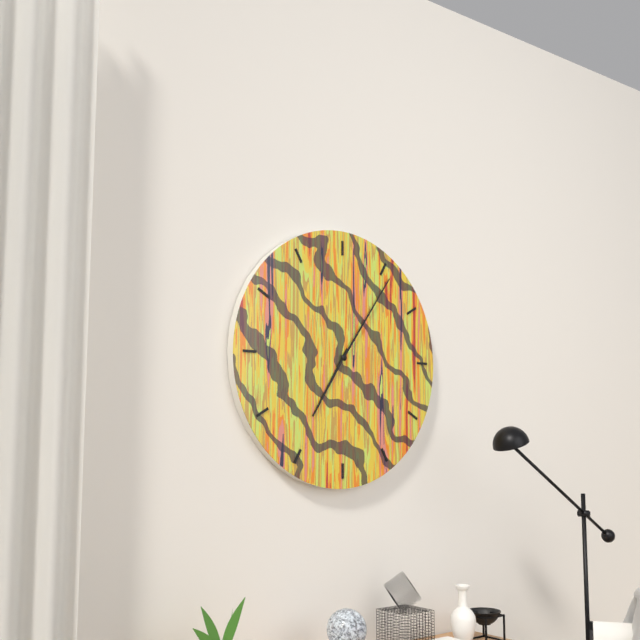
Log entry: 7h06
